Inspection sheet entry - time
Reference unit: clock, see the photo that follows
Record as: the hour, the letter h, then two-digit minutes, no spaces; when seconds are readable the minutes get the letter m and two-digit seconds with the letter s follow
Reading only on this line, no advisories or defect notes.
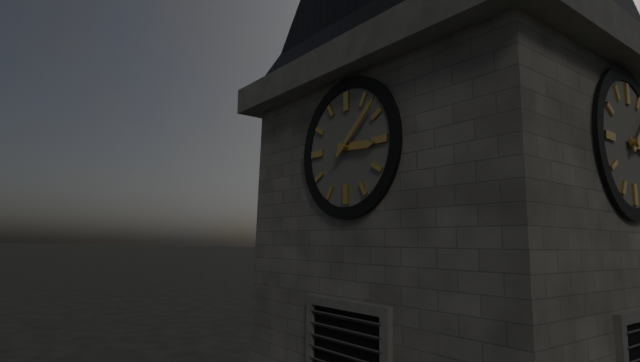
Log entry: 3h08
